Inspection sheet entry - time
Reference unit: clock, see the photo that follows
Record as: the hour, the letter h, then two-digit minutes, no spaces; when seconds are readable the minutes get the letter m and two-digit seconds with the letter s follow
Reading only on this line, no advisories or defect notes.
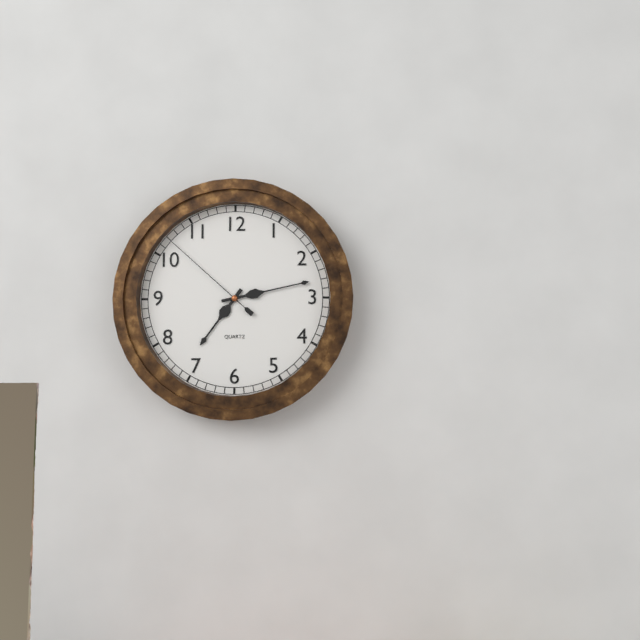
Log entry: 7h13m52s
